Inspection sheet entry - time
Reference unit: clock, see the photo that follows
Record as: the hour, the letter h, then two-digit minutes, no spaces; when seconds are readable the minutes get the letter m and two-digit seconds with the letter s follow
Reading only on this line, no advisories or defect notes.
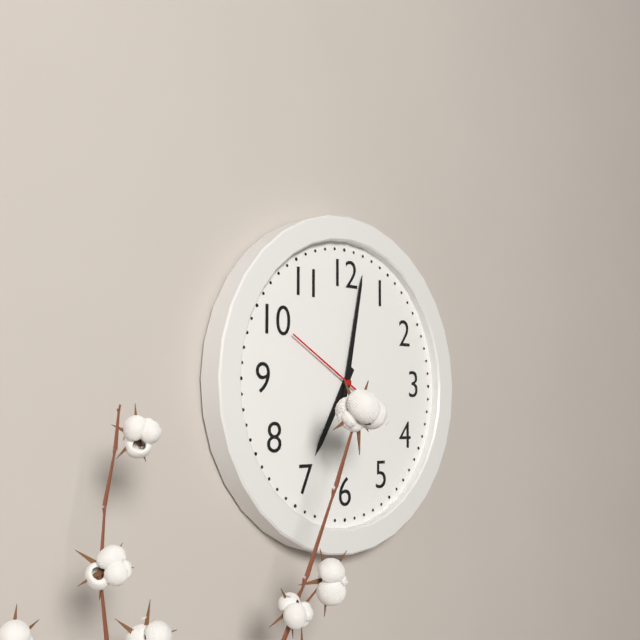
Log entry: 7h02m50s
